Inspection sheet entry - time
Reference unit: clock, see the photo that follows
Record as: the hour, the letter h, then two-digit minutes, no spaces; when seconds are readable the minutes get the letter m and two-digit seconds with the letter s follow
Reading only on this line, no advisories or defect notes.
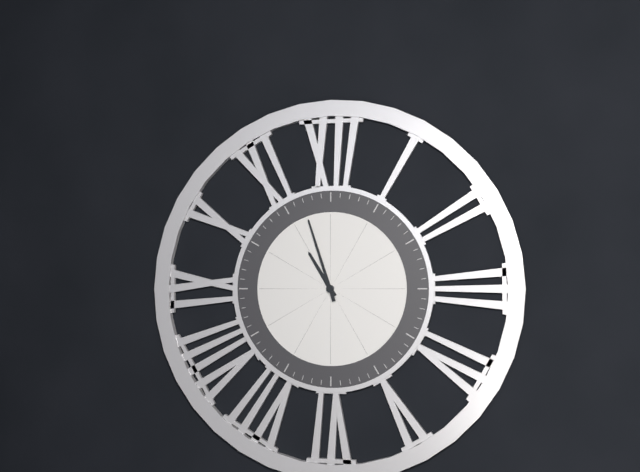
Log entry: 10h57
